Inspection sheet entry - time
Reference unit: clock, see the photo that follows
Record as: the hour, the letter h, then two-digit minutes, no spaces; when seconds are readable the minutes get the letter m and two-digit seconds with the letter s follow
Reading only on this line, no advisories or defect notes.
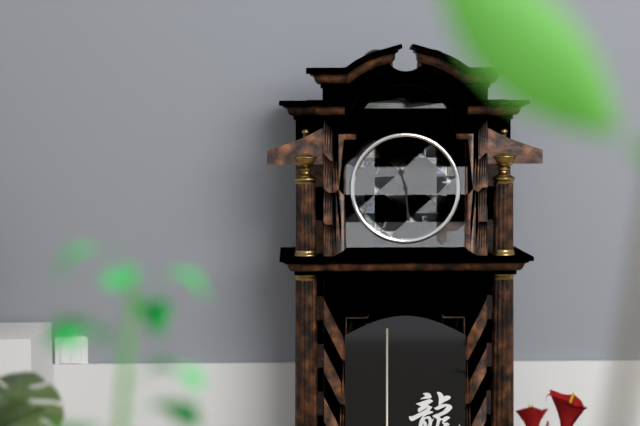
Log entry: 11h29
